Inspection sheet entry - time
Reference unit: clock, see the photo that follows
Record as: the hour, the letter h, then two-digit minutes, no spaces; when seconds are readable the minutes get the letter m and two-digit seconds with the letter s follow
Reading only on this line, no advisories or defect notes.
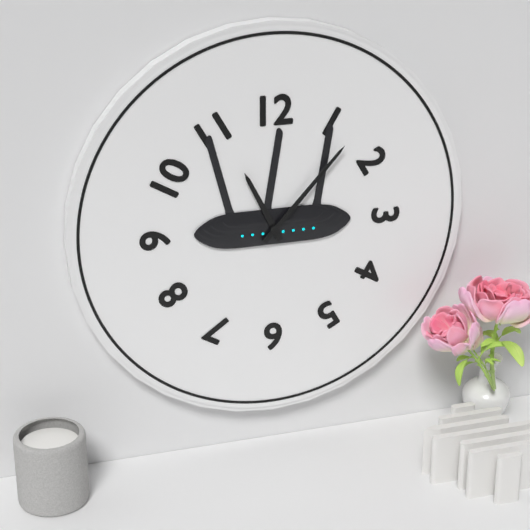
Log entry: 11h07
